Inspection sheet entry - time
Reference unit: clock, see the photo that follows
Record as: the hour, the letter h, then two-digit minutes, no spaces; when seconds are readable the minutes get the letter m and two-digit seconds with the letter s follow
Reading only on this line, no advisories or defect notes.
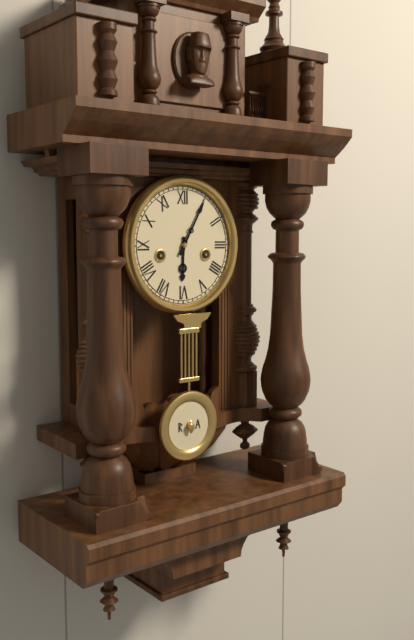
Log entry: 6h05
